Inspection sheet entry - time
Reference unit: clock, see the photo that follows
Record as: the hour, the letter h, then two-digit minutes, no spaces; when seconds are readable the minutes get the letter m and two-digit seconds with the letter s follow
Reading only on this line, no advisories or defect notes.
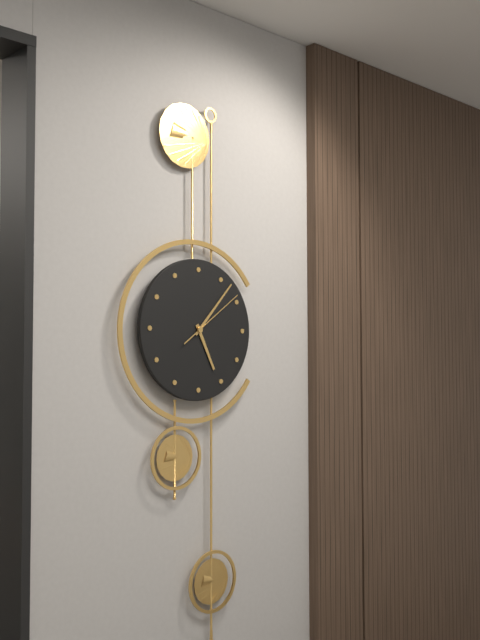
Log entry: 5h07m09s
